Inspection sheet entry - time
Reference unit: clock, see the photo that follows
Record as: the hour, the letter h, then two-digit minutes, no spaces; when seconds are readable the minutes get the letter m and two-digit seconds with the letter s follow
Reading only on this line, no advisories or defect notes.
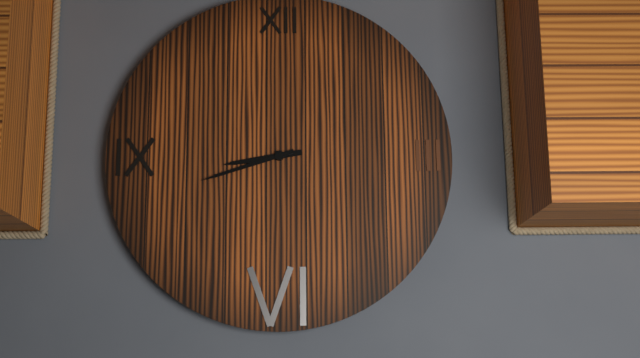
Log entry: 8h42
